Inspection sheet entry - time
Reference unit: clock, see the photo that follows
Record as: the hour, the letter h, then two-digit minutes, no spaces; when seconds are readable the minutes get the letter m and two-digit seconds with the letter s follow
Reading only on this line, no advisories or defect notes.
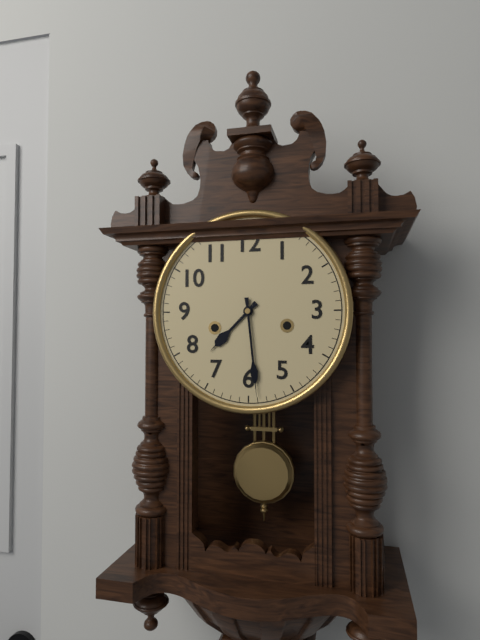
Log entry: 7h29
